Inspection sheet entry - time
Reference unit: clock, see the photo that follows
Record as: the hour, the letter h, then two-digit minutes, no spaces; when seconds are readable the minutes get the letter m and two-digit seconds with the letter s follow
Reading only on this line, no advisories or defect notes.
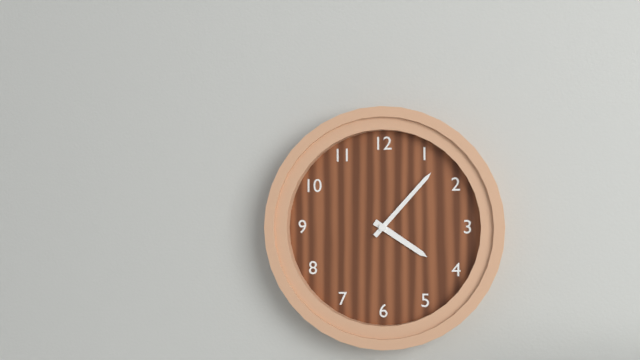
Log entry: 4h07
